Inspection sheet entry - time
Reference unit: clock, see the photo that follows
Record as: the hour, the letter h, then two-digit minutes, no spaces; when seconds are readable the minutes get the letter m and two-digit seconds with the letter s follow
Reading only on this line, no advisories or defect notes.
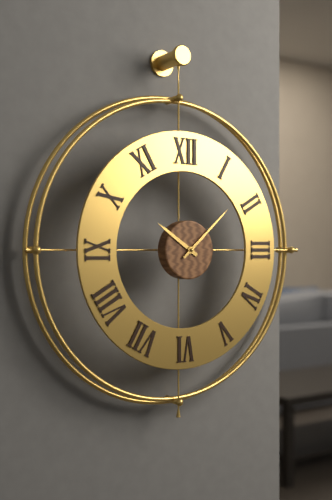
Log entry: 10h08
